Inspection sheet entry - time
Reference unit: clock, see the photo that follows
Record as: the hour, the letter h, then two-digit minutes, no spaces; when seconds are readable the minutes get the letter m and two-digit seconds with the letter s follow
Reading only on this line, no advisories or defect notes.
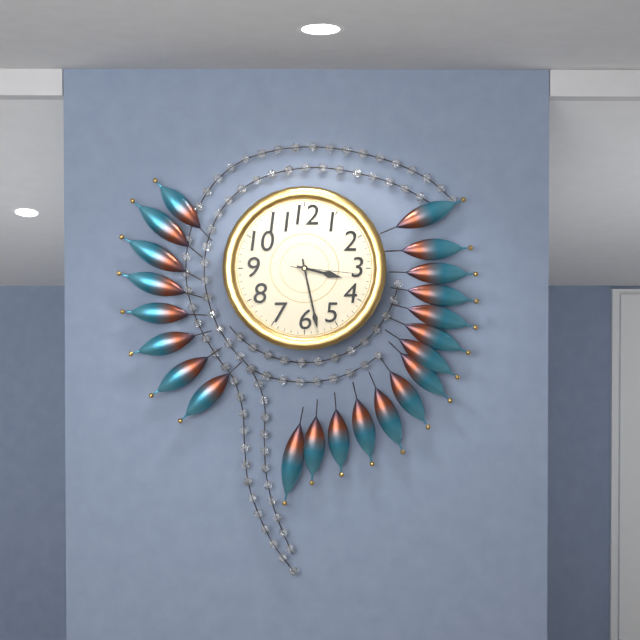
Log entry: 3h28m16s
